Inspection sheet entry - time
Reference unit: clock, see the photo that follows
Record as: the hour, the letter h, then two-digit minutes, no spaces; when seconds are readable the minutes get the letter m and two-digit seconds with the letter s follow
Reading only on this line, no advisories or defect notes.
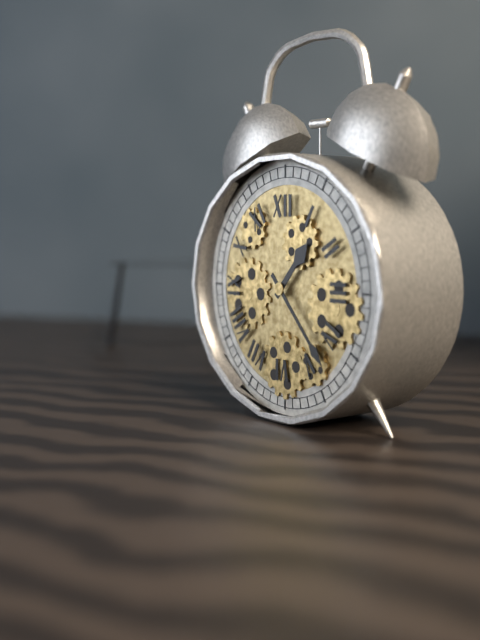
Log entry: 1h23
